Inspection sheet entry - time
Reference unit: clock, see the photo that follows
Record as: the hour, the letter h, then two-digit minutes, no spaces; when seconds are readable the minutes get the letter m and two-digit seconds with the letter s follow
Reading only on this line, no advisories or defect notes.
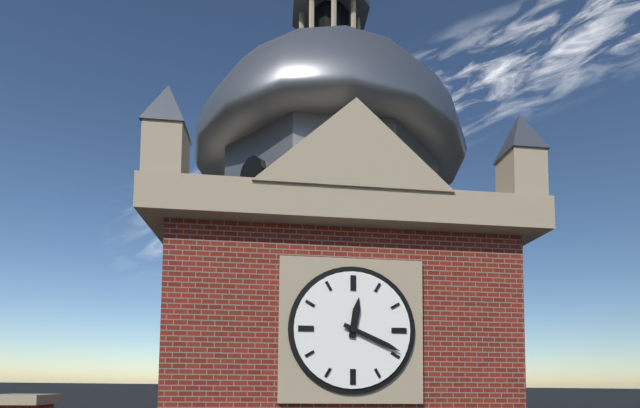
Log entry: 12h19
